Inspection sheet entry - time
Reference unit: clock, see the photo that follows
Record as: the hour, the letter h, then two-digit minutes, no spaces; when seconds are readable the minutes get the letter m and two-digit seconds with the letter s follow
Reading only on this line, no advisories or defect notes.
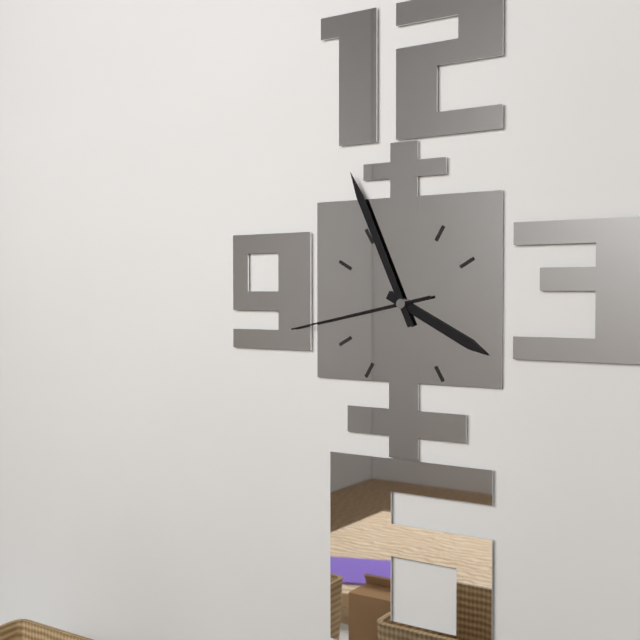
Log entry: 3h56m43s
